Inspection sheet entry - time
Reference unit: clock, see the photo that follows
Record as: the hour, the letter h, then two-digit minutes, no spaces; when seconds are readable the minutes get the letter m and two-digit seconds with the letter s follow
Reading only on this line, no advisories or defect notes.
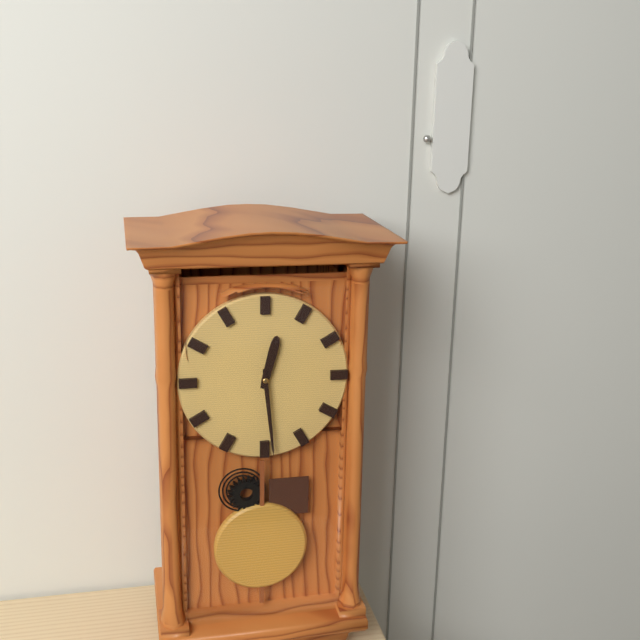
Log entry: 12h29
